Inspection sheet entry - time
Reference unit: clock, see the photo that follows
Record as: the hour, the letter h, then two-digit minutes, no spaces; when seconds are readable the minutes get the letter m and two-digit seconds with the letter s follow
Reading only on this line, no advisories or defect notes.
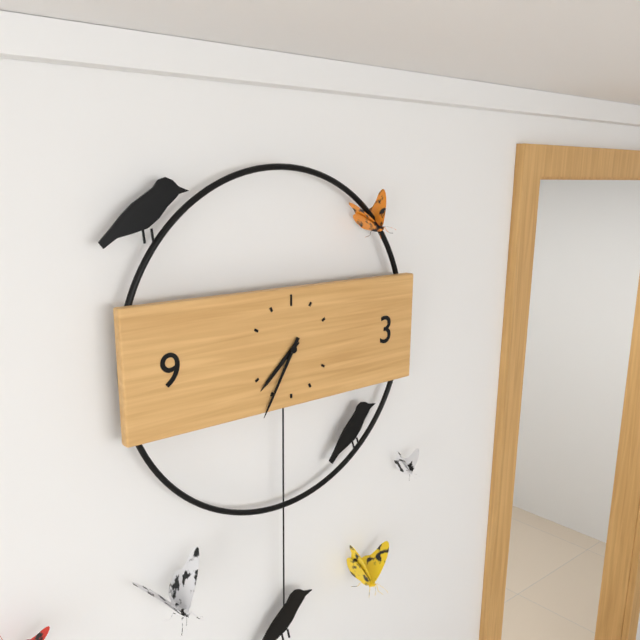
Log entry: 7h35
